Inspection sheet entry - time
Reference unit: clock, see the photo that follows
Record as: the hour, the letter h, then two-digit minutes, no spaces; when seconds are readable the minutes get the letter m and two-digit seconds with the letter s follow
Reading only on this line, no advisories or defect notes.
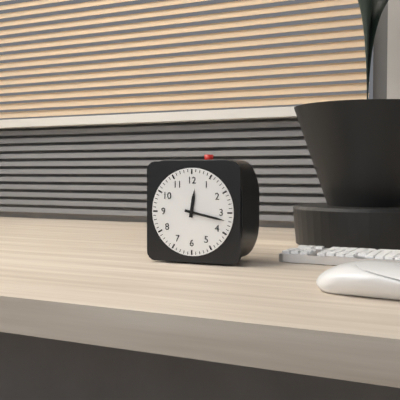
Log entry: 12h17
